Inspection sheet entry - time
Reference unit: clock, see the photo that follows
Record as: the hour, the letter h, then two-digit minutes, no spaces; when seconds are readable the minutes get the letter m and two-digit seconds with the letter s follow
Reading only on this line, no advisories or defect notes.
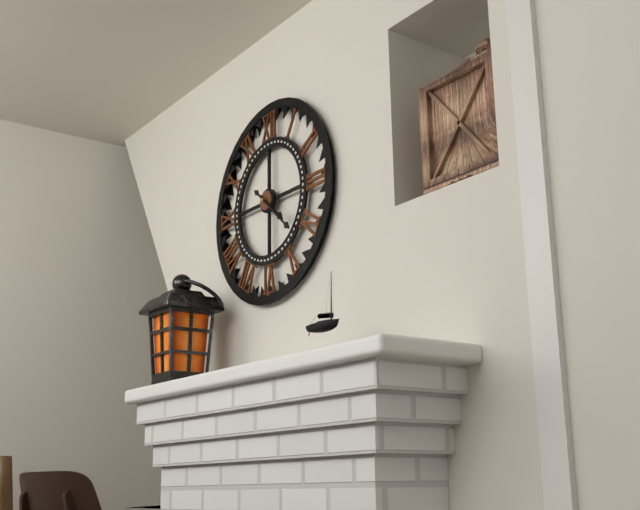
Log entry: 4h22
